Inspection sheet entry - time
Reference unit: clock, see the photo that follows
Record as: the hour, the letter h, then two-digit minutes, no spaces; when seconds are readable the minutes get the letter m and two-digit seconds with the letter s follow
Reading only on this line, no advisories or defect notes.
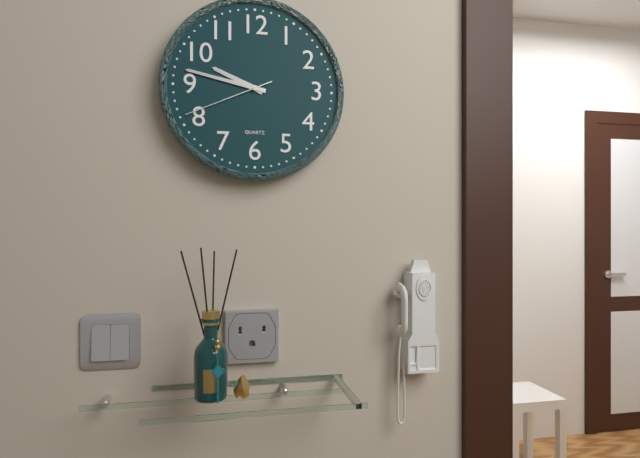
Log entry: 9h47m41s
